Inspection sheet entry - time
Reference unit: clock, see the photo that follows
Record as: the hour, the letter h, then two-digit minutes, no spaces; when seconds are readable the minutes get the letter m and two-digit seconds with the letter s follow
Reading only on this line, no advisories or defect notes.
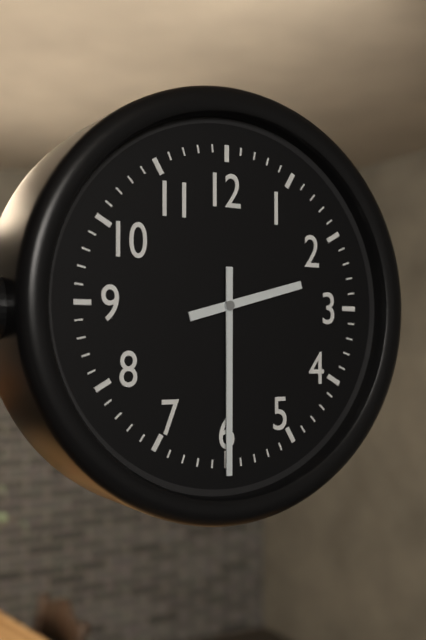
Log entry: 2h30
